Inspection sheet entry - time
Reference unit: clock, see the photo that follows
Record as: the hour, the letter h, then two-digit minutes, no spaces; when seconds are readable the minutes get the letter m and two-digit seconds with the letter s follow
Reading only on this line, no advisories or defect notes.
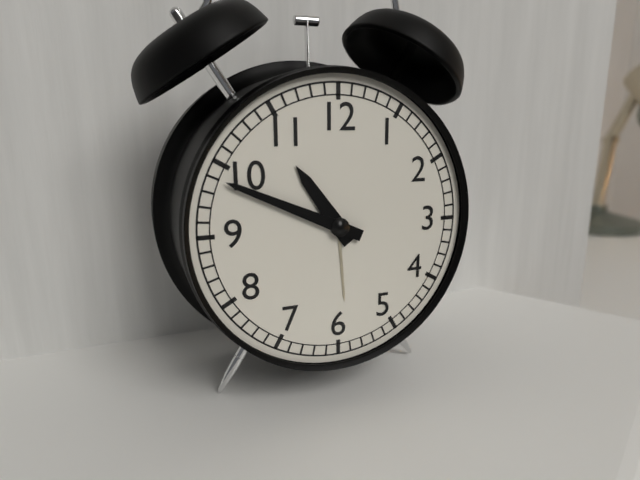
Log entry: 10h49
